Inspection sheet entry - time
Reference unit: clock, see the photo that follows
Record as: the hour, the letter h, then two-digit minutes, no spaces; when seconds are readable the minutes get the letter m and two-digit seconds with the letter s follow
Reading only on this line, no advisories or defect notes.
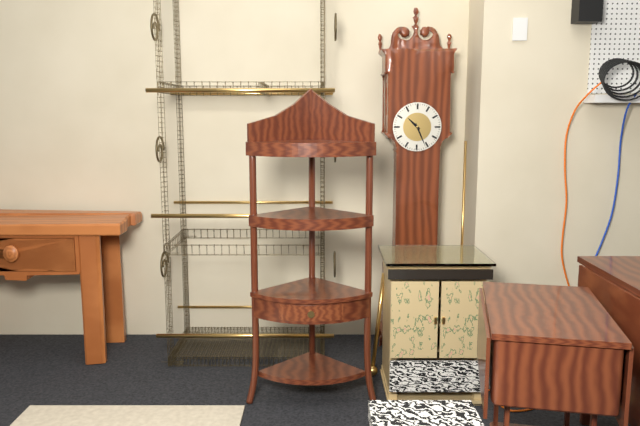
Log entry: 10h26
